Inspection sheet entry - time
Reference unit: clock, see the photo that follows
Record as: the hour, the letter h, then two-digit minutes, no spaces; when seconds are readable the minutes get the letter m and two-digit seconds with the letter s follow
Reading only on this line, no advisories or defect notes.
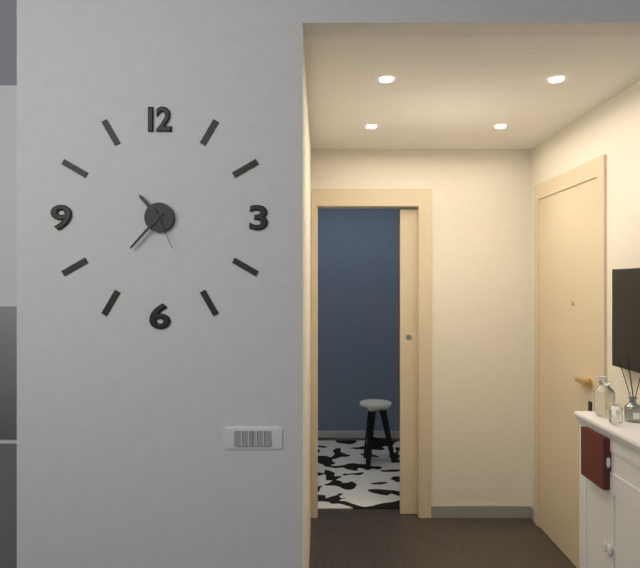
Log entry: 10h37
